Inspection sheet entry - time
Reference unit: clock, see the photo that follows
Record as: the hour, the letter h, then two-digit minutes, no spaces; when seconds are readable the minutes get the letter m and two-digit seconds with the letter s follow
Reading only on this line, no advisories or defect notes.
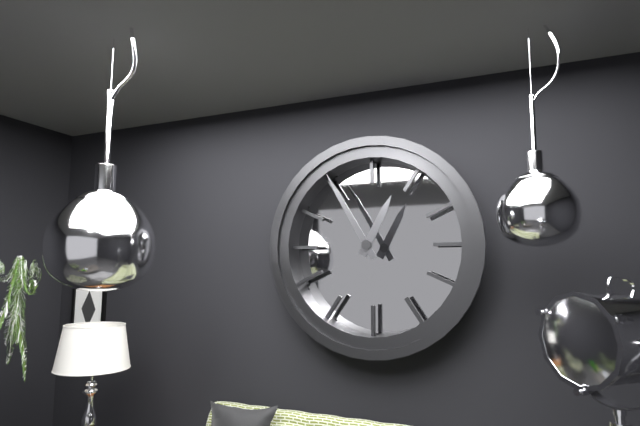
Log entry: 12h55
